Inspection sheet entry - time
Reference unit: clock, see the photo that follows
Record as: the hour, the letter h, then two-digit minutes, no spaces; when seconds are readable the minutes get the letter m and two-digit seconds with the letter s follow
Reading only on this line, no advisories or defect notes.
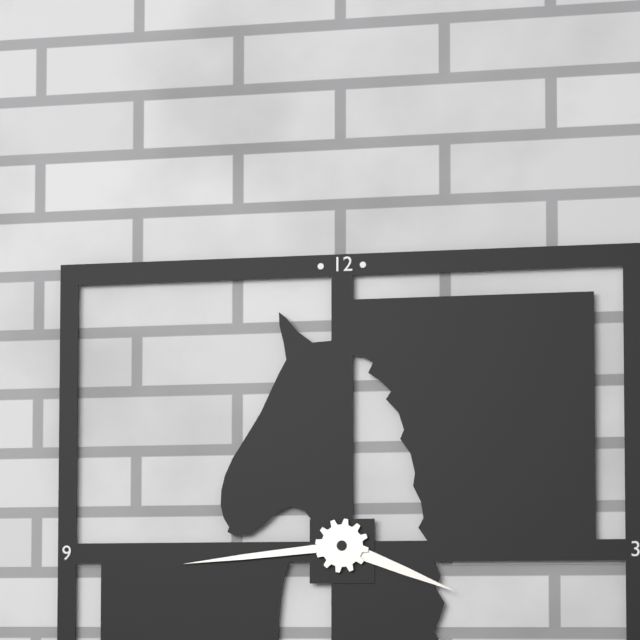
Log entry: 3h44
